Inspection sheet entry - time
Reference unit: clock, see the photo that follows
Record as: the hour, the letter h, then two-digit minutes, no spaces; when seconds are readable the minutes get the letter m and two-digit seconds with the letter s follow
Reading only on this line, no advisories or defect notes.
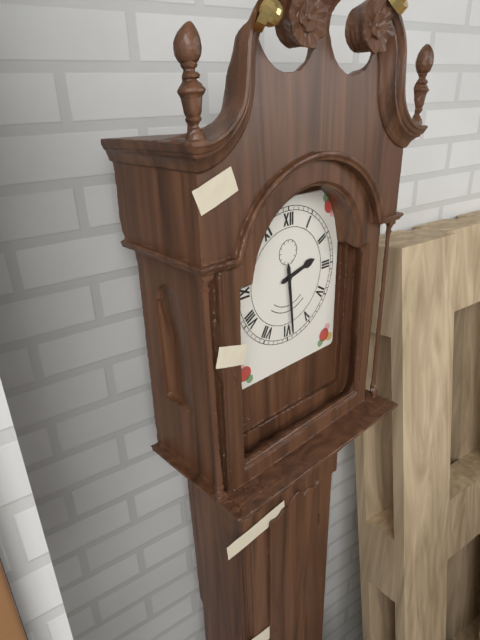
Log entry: 2h29
